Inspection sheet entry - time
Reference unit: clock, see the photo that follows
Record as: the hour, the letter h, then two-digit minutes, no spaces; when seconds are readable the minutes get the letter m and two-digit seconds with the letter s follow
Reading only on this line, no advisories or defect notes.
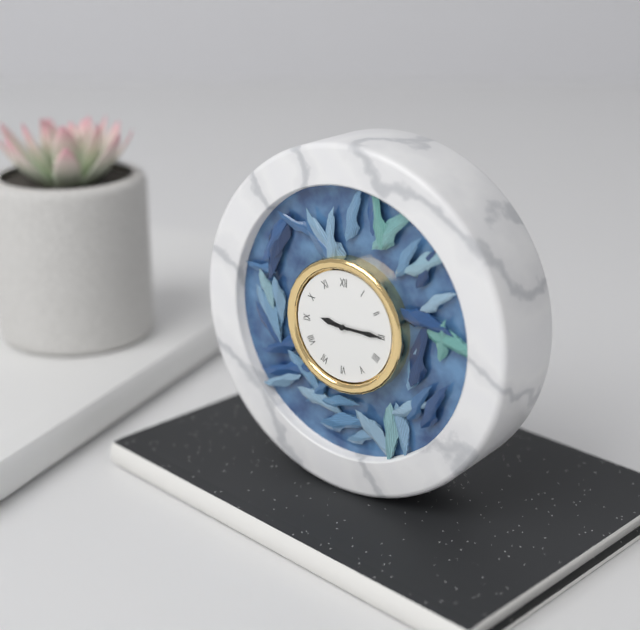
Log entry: 9h15m15s
